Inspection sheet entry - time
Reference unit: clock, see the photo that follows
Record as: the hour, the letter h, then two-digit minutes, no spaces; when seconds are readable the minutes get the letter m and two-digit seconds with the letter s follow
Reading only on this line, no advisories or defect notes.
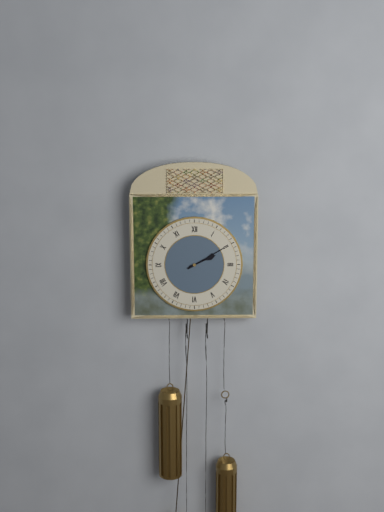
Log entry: 2h10
